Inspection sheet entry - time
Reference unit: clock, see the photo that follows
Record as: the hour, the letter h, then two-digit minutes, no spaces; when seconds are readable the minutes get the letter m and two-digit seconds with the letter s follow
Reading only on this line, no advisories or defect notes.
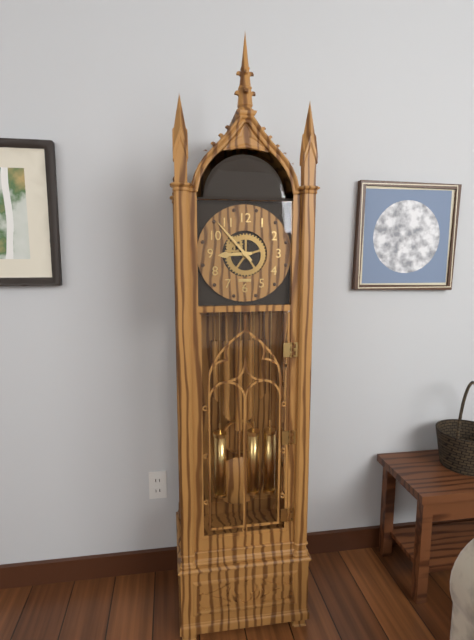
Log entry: 8h53
